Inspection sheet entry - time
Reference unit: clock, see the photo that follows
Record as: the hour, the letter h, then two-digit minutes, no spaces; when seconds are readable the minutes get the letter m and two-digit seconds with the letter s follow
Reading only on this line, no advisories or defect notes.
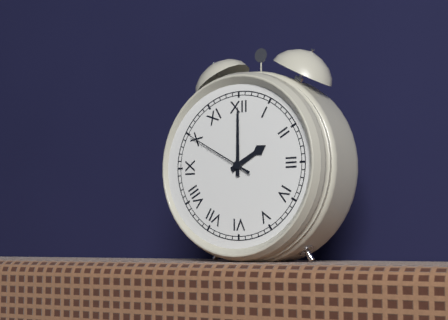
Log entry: 2h00m50s
